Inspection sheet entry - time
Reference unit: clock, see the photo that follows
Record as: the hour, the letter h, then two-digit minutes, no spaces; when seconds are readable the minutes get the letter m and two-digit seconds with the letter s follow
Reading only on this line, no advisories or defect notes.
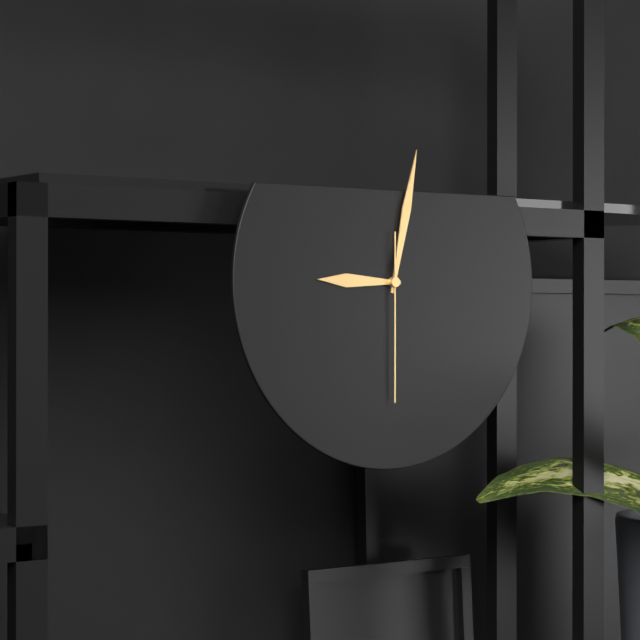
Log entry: 9h02m30s
